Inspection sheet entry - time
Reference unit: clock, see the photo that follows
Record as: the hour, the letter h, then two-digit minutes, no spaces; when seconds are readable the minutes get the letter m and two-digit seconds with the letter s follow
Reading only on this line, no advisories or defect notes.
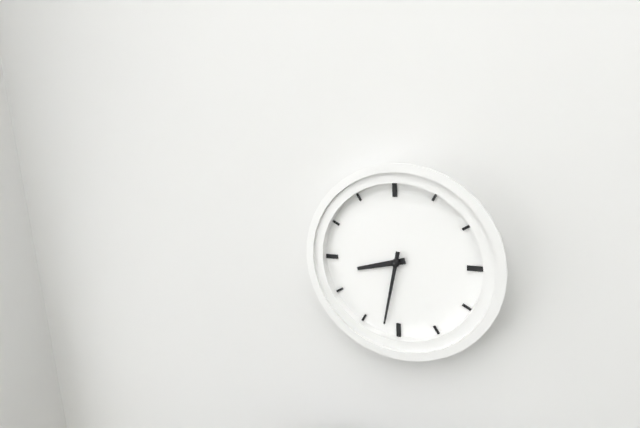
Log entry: 8h32
